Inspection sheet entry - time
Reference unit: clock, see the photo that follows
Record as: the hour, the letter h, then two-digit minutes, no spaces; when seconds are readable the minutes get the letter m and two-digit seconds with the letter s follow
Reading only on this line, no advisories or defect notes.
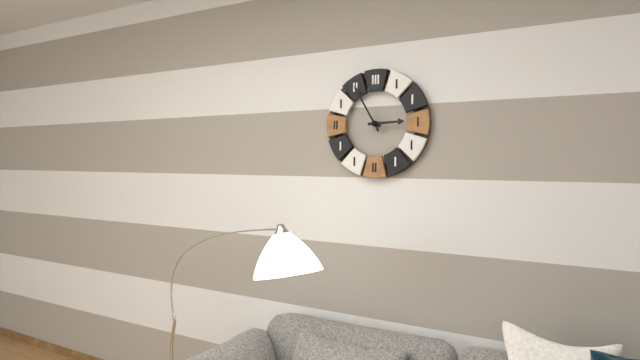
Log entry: 2h55
